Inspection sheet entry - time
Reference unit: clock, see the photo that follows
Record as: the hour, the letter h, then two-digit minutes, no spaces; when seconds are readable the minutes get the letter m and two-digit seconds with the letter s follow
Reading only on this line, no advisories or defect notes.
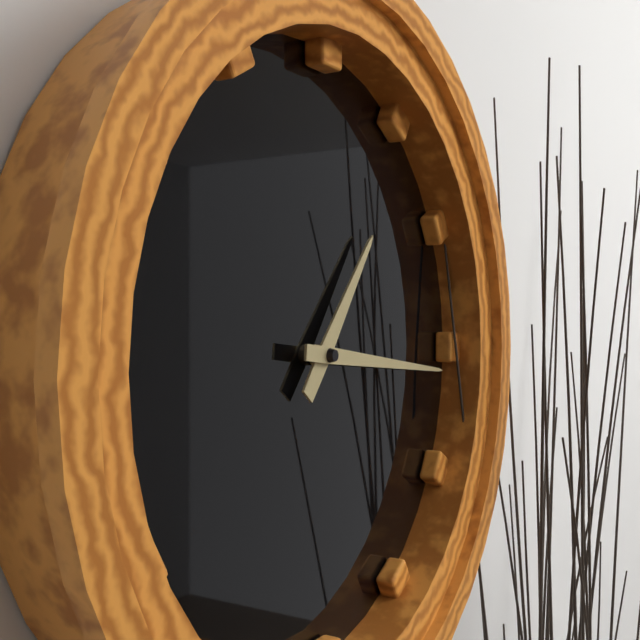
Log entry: 1h16
